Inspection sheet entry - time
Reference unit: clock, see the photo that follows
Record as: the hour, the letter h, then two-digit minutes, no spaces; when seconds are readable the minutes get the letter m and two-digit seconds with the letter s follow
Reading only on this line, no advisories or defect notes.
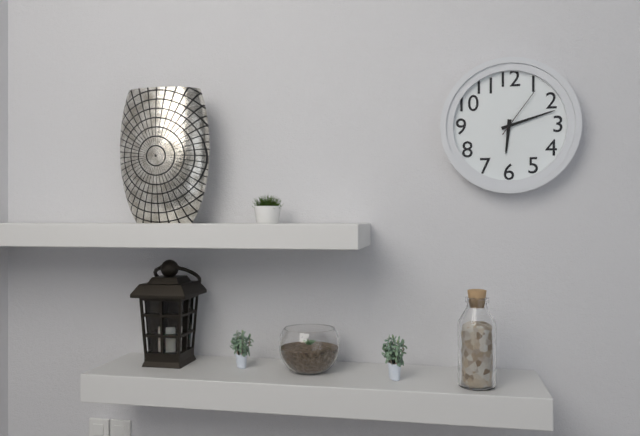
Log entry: 6h12m06s
